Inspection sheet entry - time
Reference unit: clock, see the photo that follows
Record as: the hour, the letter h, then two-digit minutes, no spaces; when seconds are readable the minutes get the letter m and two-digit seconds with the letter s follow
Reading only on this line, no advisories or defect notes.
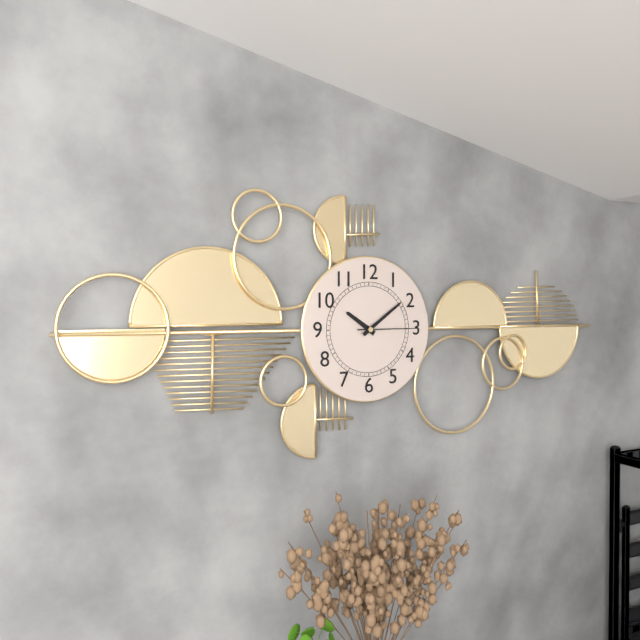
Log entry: 10h09m15s
